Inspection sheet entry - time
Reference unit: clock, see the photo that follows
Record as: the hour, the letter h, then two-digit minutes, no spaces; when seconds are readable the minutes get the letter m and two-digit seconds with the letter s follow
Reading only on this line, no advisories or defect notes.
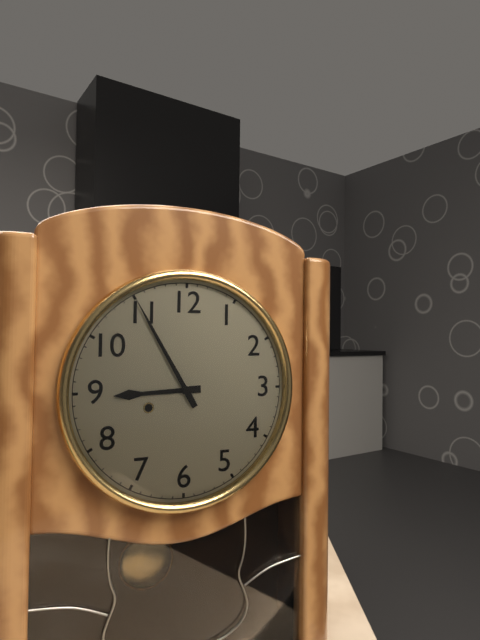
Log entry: 8h55
